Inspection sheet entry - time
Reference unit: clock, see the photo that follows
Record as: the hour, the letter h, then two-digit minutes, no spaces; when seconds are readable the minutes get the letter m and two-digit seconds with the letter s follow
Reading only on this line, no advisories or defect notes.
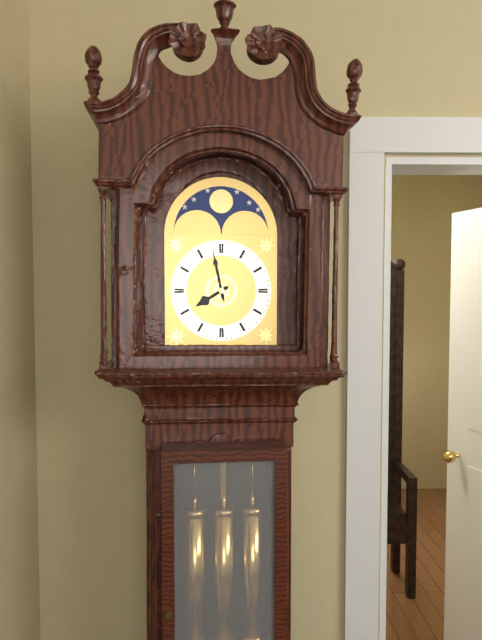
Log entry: 7h58
